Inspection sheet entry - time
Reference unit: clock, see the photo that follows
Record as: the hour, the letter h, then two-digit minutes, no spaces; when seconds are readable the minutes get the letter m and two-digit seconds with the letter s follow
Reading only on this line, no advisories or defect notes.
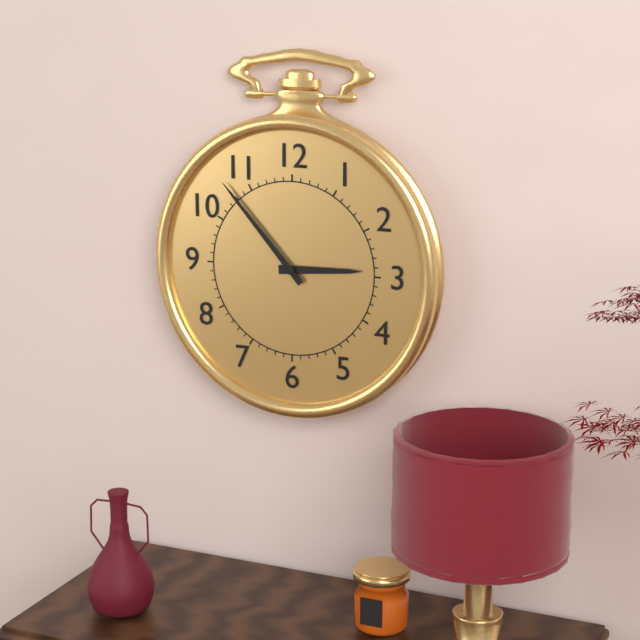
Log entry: 2h53
